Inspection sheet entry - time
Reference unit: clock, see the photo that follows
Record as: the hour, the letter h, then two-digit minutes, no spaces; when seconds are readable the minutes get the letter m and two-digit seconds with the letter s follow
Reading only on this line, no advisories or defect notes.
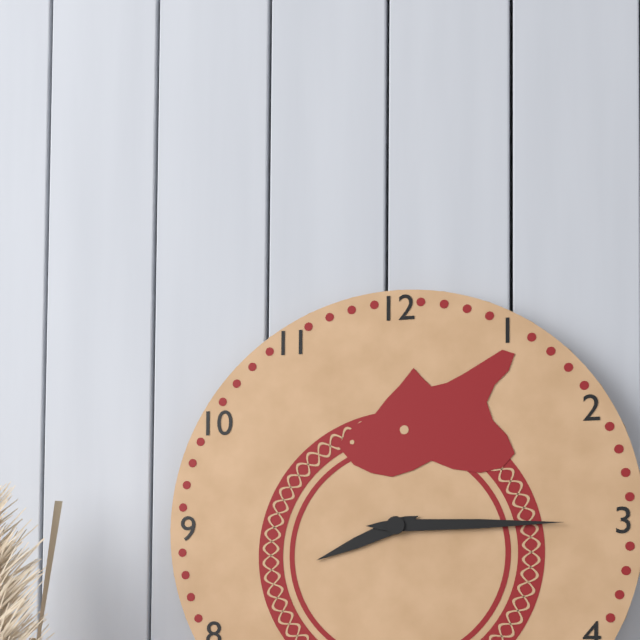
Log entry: 8h15
